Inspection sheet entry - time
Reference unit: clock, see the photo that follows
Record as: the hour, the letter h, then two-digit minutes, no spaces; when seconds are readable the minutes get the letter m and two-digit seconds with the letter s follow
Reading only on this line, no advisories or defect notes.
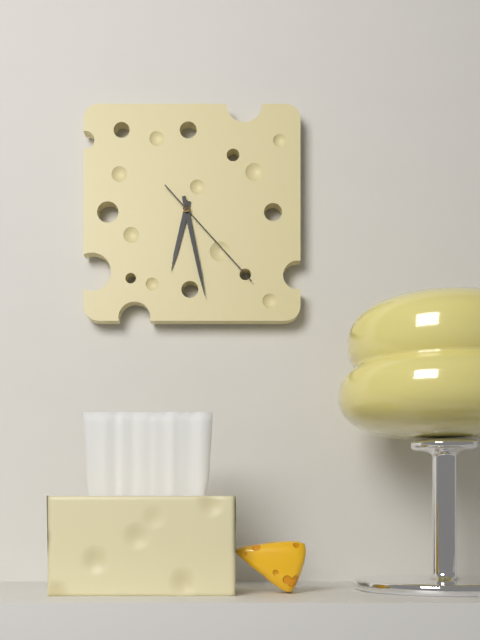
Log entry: 6h28m23s
